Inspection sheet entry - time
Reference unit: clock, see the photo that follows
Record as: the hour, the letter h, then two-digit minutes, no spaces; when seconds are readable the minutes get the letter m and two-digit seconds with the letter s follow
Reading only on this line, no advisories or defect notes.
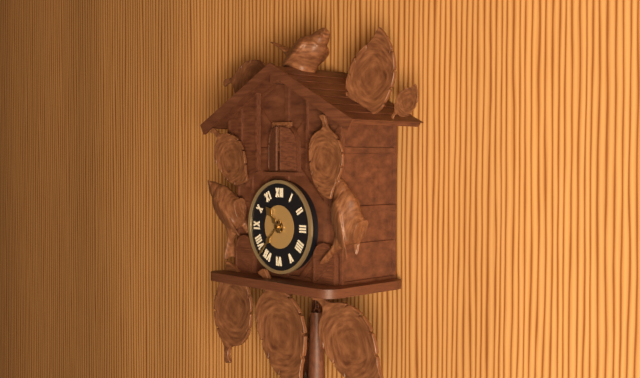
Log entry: 10h37
